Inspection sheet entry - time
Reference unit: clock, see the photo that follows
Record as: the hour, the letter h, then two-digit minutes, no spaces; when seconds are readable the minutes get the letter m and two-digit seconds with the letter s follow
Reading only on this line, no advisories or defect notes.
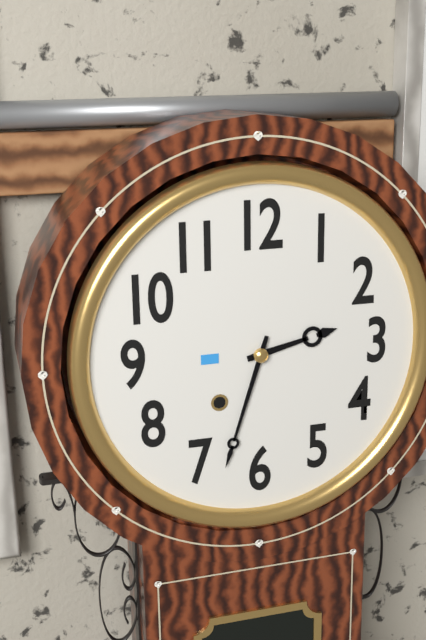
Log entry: 2h33
